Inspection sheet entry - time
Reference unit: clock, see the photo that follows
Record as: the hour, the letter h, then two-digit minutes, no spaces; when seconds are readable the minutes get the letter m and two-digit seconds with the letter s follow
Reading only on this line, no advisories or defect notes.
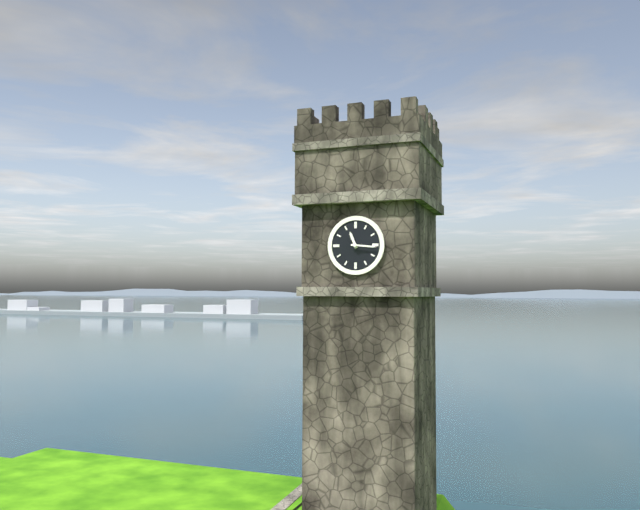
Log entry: 11h16
